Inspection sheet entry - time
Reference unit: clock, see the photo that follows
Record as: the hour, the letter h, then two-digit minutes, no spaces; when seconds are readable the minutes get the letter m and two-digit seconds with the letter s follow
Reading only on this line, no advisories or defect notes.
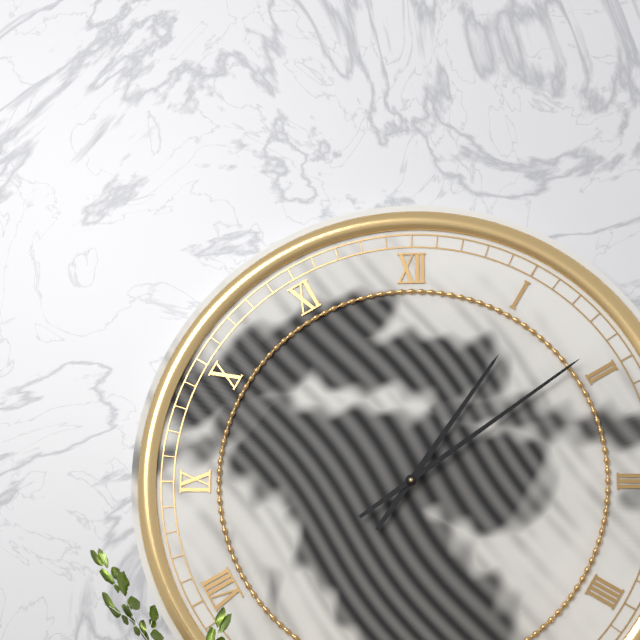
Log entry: 1h09
